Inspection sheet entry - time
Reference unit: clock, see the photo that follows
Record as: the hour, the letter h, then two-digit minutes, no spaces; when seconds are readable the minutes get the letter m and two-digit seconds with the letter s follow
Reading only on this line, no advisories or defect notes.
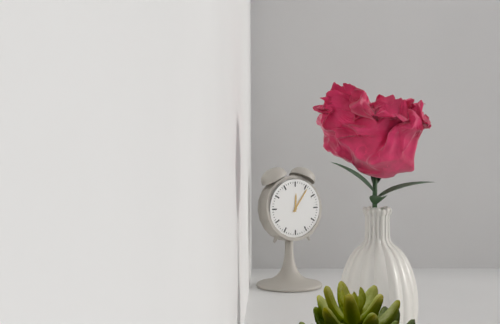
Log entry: 12h06
